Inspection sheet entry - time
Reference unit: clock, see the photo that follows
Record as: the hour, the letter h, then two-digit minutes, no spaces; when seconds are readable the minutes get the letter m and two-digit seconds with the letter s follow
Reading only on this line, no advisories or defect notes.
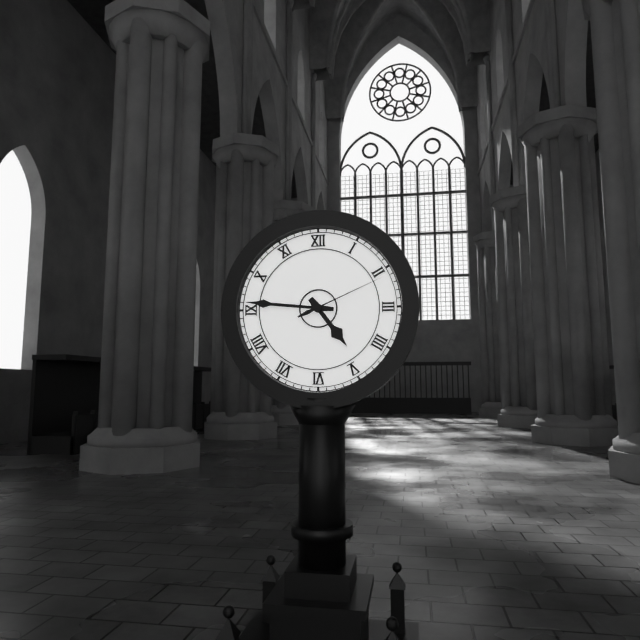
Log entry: 4h46m11s
